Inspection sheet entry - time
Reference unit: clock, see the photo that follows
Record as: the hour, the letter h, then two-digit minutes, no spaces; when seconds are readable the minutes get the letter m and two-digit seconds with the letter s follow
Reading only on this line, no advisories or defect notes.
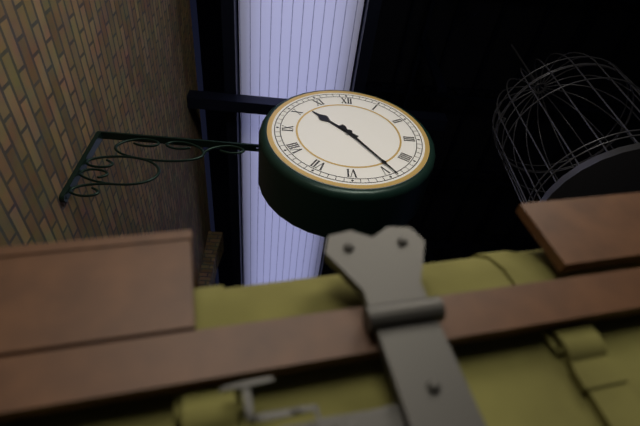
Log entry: 10h24
